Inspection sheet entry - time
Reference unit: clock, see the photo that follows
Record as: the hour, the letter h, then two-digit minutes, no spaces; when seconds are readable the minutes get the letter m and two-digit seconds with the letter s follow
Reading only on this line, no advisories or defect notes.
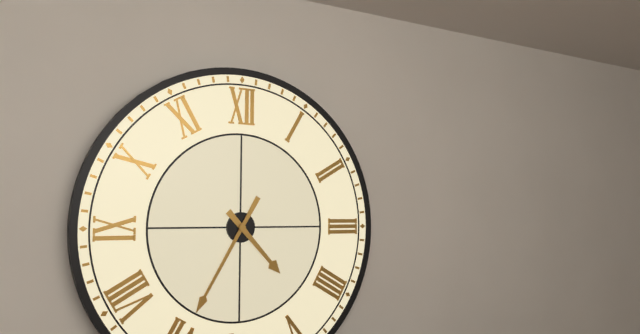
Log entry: 4h35
